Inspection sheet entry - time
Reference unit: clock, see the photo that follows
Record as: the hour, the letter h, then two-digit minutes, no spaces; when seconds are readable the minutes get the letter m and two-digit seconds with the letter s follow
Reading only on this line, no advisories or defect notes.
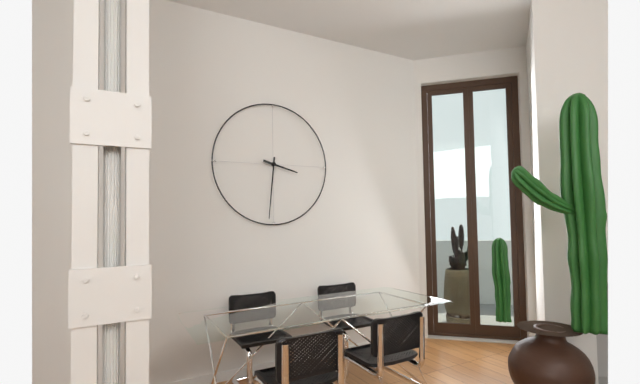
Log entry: 3h31
